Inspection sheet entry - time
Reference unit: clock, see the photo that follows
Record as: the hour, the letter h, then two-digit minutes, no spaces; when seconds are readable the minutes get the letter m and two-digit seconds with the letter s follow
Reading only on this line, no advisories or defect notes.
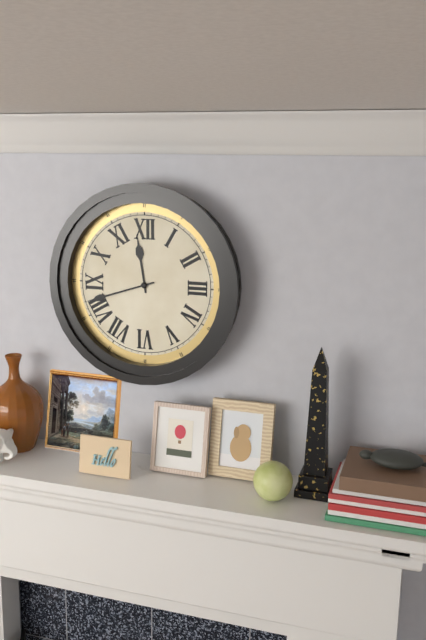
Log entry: 11h42
